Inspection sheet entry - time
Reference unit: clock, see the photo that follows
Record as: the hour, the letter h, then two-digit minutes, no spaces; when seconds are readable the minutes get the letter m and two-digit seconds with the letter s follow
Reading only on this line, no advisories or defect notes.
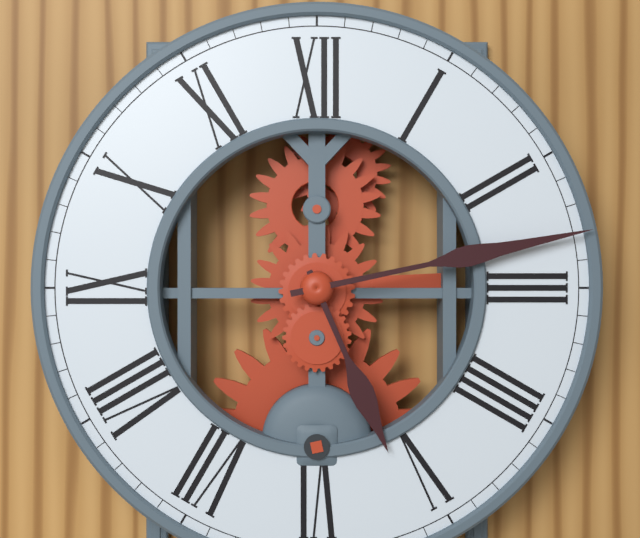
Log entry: 5h13
